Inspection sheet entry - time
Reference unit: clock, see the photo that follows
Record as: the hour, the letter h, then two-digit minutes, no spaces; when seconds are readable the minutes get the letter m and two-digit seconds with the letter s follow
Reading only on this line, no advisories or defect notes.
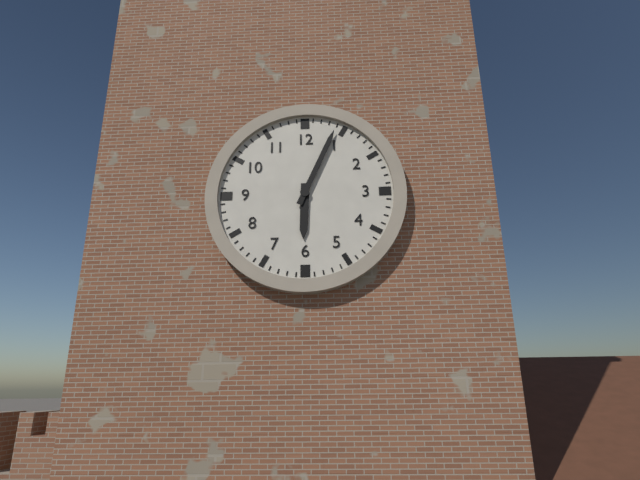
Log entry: 6h04
